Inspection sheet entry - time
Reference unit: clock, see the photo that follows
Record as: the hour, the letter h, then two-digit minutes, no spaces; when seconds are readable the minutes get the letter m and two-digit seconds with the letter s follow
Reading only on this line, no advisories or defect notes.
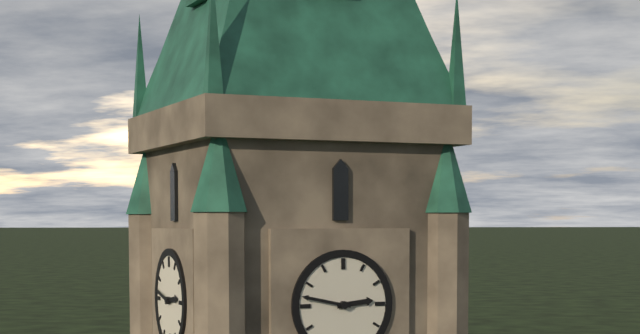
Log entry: 2h47
